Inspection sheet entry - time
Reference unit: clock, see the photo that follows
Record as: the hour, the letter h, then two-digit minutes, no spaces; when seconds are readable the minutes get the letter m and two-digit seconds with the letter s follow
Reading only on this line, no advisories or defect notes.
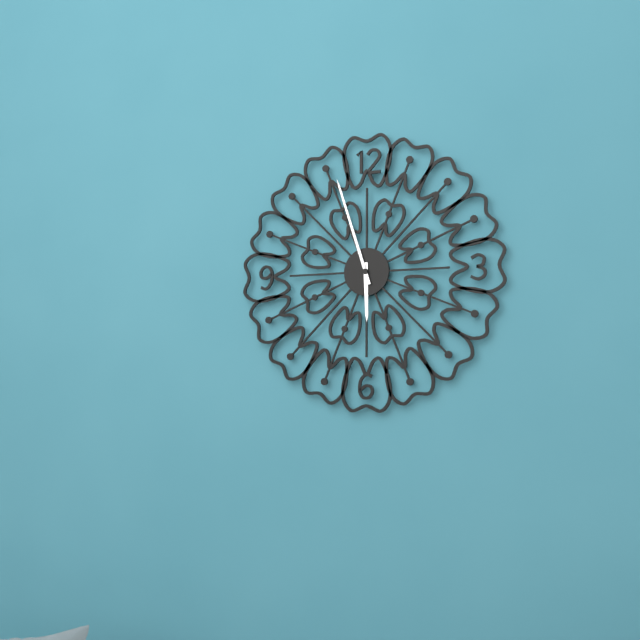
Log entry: 5h57
